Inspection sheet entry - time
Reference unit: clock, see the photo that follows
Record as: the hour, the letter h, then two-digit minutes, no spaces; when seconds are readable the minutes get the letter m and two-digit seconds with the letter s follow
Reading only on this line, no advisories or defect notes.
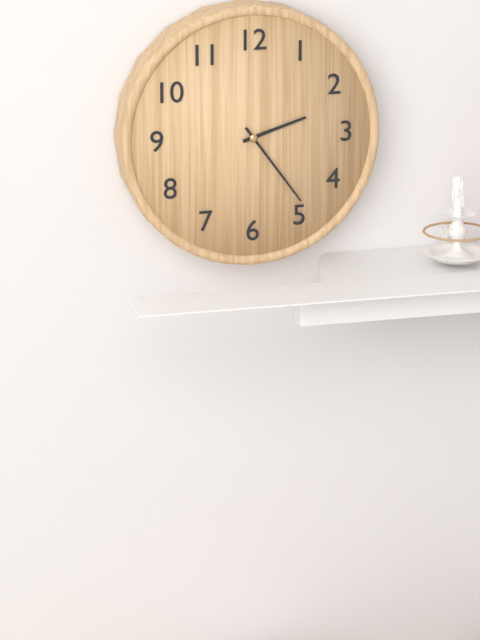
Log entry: 2h24
